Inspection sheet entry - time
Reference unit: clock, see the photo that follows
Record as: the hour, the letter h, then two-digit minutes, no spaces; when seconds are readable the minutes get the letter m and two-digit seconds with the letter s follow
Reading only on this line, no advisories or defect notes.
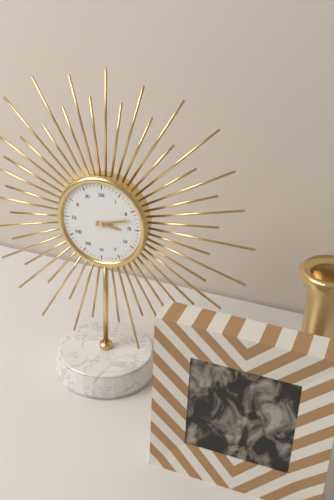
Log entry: 3h12
